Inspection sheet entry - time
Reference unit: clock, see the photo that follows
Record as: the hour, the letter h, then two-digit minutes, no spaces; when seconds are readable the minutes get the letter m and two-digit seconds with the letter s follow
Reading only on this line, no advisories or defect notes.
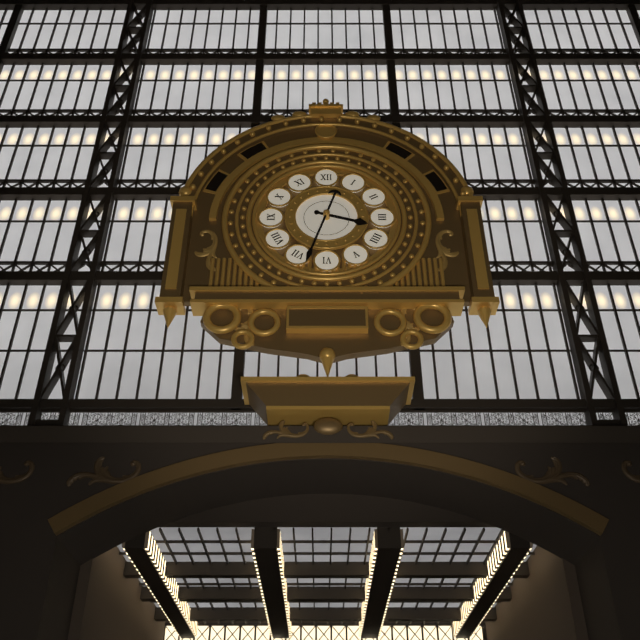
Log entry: 3h33
